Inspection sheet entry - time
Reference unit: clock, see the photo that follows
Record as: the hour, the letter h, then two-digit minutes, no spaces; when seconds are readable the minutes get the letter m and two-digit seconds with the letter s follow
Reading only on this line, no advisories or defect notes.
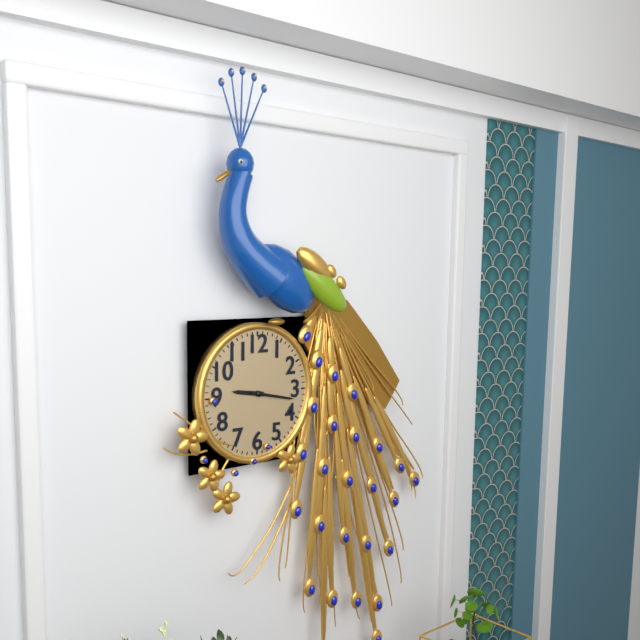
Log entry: 9h17
